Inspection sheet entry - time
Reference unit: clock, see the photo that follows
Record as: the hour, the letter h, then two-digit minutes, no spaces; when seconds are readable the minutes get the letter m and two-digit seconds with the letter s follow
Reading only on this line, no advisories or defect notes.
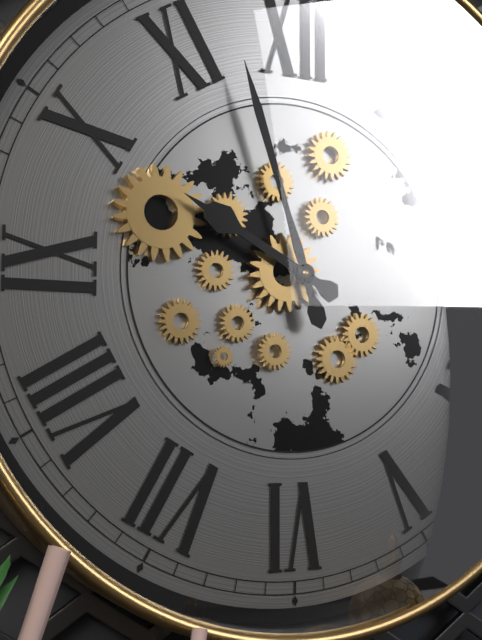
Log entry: 9h57
